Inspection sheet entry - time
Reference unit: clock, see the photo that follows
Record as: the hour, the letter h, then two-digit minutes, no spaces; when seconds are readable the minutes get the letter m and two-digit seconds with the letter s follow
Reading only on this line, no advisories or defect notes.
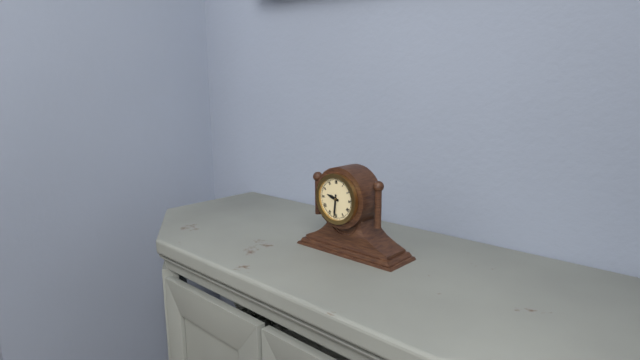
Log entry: 9h31
